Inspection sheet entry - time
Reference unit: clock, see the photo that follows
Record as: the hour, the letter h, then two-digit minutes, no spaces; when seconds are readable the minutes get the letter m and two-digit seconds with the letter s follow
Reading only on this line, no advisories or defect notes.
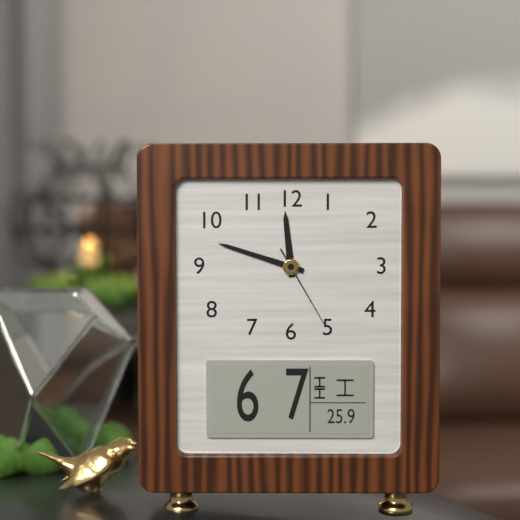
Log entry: 11h48m25s
